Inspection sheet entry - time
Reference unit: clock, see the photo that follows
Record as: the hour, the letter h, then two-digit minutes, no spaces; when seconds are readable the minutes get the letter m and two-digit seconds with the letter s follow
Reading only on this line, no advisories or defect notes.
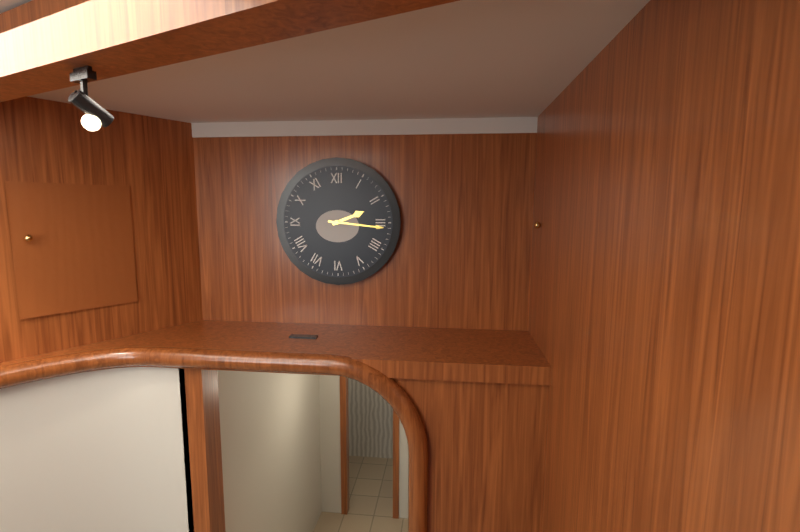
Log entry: 2h16
